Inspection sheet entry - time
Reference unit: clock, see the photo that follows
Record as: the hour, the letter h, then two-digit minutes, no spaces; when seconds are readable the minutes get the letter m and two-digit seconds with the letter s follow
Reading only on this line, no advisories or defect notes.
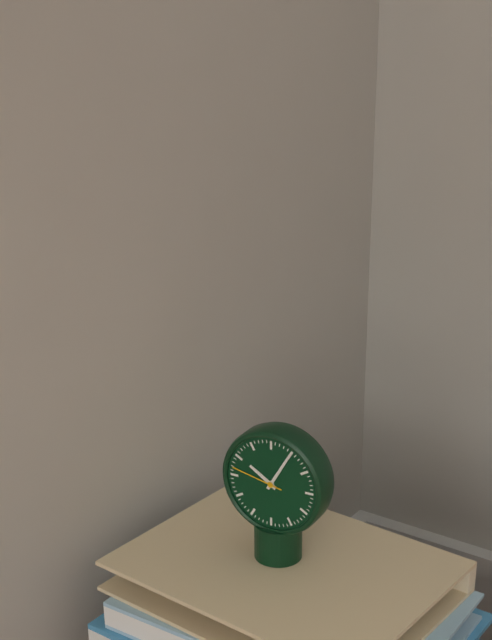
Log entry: 10h05m47s
